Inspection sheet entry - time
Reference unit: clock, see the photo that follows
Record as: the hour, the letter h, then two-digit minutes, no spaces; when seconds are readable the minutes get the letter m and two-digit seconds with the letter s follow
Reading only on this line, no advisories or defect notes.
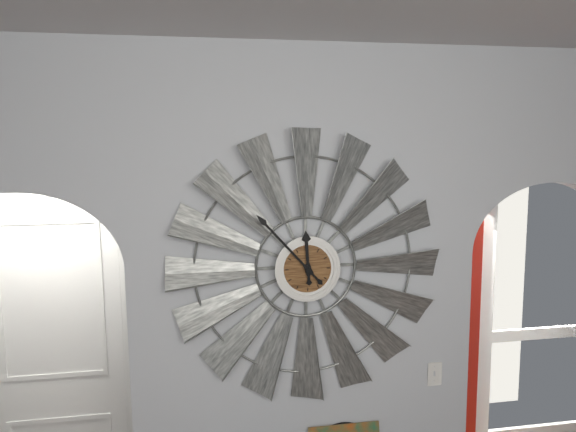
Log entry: 11h53
